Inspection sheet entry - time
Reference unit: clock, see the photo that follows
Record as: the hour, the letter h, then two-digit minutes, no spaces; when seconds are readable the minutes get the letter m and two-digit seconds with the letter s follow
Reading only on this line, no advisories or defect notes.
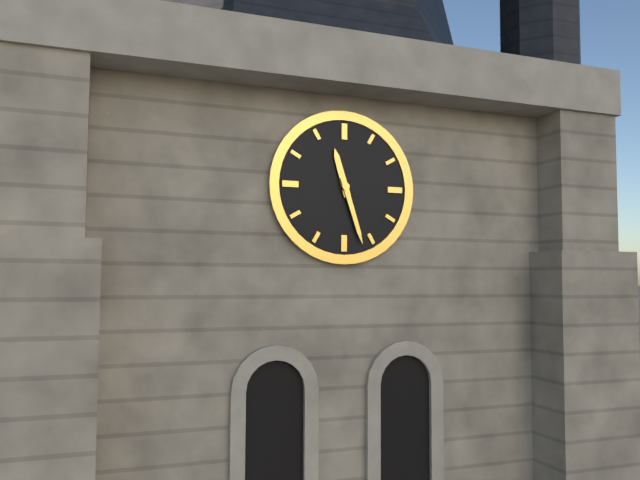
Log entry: 11h27
